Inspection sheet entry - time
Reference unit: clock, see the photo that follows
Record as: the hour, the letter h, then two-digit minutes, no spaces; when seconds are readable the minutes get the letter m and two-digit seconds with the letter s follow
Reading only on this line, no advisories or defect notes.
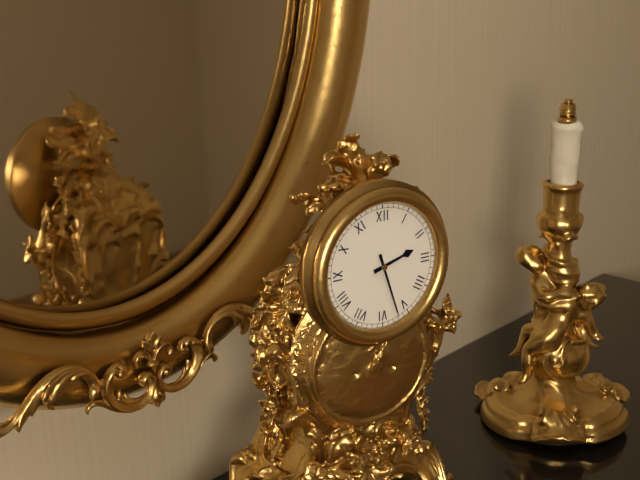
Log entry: 2h27
